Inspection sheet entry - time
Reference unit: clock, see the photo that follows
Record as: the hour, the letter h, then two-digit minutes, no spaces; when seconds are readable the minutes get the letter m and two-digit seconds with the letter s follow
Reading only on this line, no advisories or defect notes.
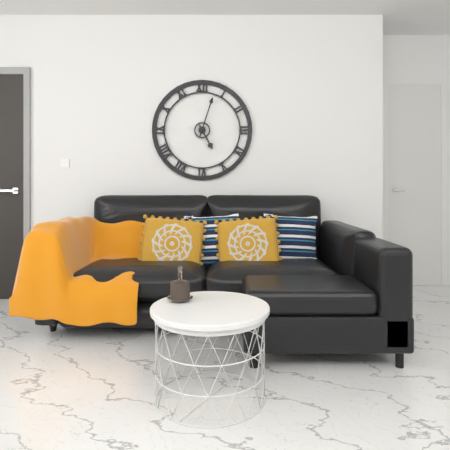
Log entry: 5h03
